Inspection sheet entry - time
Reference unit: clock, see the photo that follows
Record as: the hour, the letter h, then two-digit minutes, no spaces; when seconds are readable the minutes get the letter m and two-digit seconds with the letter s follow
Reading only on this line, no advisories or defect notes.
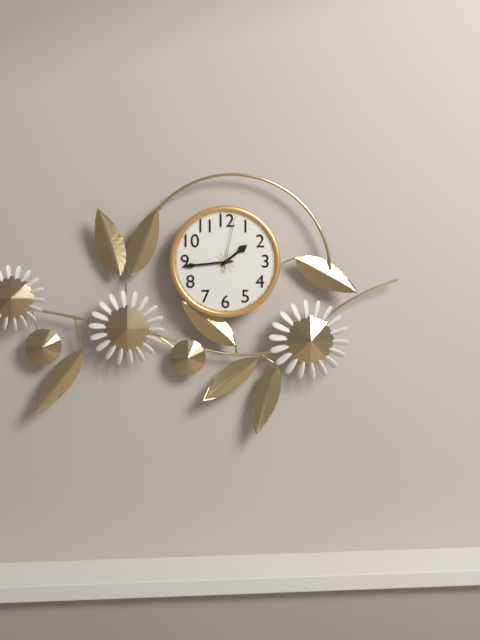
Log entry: 1h44m02s
